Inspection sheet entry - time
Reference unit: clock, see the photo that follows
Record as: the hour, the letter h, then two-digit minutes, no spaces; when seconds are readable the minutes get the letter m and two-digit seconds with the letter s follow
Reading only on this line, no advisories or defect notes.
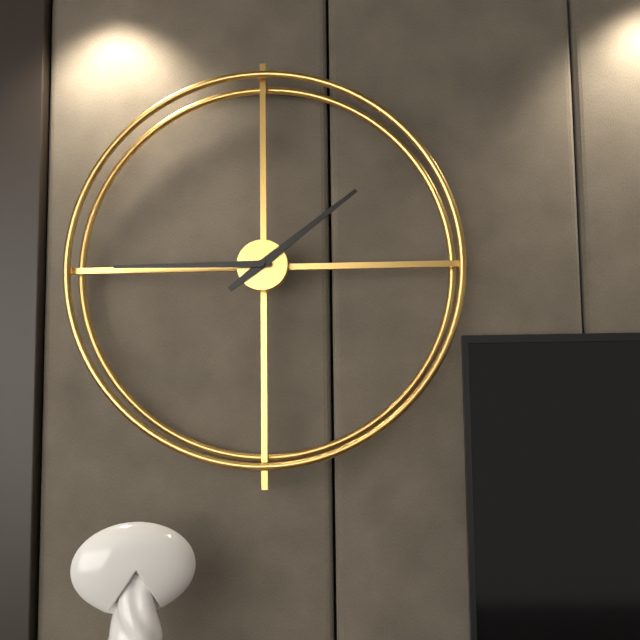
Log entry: 1h45
